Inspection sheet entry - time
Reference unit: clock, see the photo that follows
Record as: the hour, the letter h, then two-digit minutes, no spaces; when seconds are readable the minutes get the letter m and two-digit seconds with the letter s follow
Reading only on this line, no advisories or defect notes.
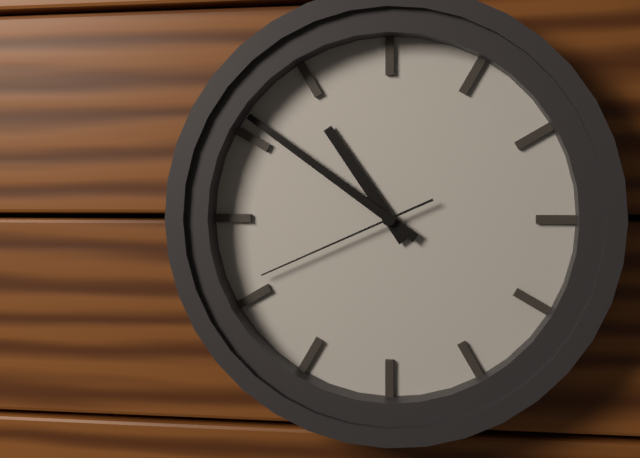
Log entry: 10h51m41s
